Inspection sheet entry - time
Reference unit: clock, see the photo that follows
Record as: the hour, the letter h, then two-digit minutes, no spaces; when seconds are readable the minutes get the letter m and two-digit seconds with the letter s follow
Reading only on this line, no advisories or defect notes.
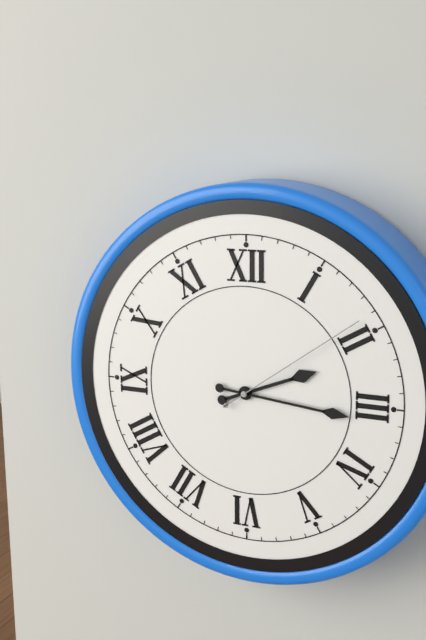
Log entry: 2h16m09s
